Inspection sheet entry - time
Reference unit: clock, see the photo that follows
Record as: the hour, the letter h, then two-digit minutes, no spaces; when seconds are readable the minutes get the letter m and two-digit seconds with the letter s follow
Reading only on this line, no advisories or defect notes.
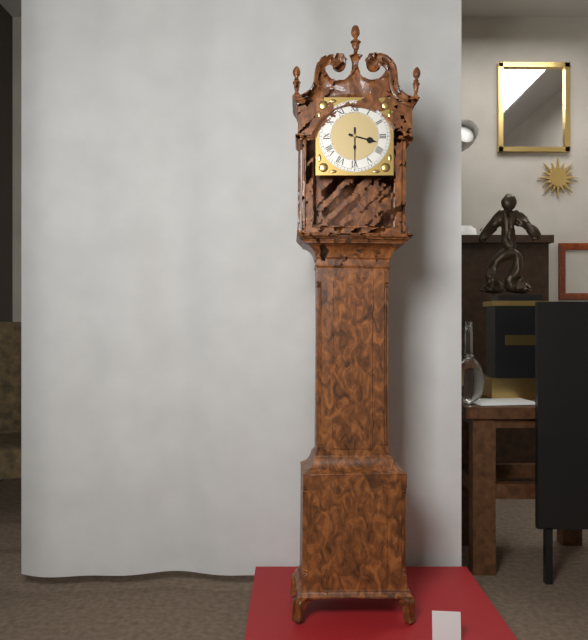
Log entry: 3h30
